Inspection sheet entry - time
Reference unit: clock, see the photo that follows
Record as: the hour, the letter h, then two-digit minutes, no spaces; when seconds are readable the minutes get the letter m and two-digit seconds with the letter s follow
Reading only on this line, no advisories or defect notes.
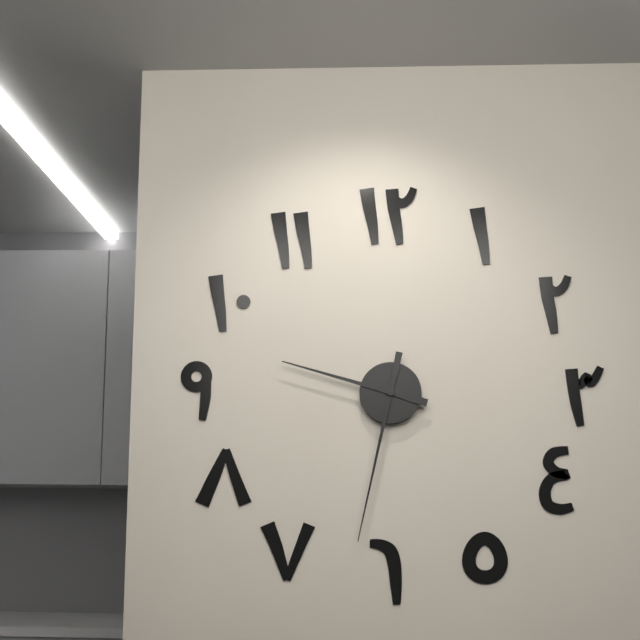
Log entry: 9h32
